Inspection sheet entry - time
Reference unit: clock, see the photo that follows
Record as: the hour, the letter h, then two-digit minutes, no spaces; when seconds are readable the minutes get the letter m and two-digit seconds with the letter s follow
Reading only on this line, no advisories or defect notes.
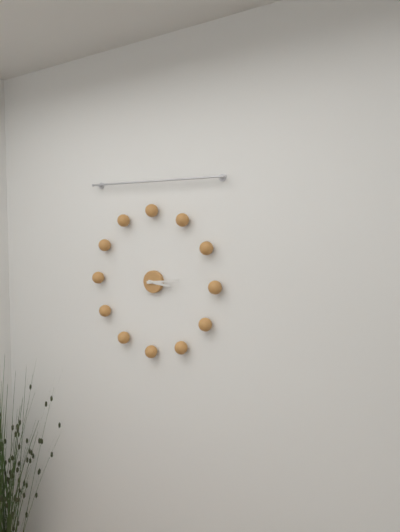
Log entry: 3h14
